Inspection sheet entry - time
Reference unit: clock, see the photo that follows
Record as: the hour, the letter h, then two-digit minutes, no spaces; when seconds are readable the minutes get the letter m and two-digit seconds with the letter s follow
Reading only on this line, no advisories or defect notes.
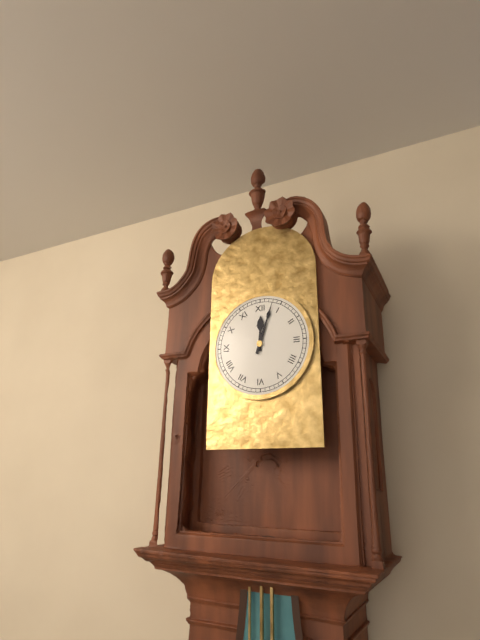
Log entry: 12h03
